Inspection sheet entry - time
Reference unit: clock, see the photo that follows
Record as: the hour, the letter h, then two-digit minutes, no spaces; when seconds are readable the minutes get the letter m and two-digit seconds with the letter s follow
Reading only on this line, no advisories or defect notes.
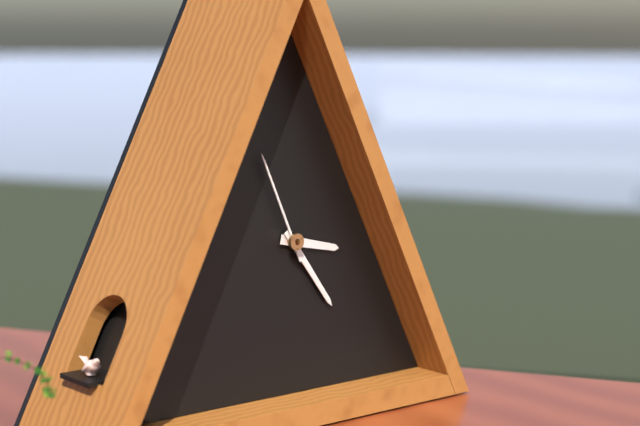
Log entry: 3h24m56s
